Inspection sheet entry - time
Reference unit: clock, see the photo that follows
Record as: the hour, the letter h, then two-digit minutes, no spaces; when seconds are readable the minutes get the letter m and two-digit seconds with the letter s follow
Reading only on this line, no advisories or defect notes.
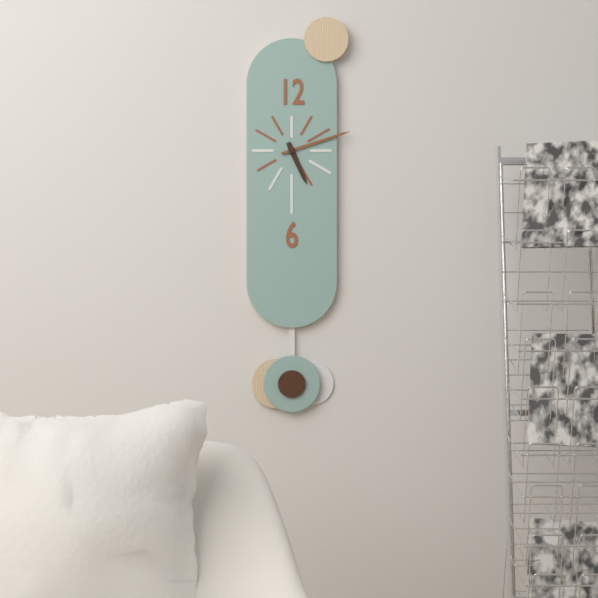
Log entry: 5h12
